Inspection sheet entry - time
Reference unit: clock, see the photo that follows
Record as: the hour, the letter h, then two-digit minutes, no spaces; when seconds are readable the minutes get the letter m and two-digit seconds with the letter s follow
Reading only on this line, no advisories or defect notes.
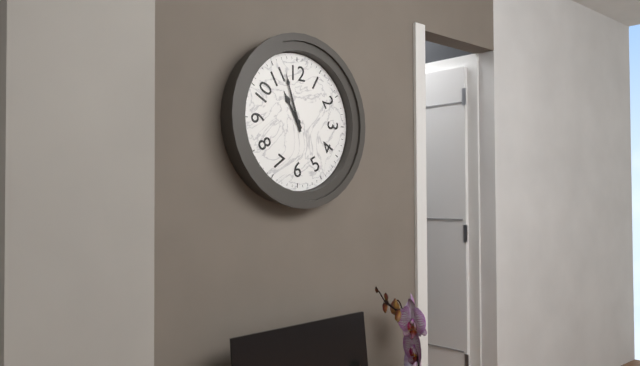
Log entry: 10h57
